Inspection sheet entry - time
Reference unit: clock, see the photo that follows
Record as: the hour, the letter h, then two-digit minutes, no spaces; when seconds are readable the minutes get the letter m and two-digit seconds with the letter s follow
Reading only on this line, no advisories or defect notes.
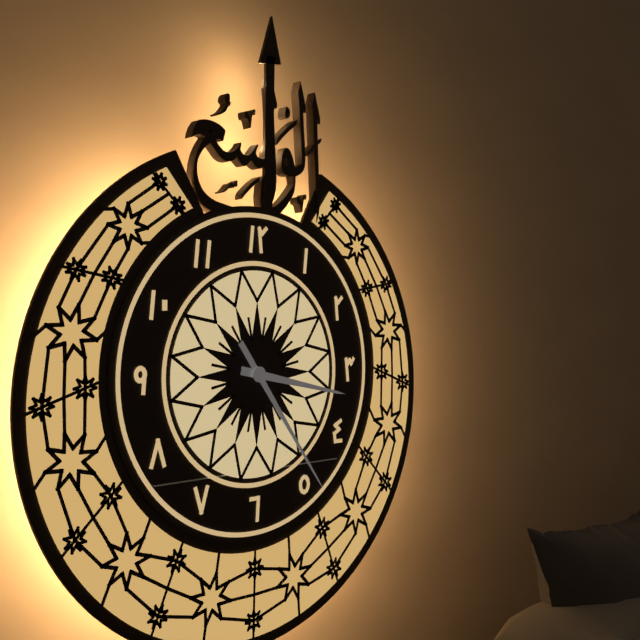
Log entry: 3h24
